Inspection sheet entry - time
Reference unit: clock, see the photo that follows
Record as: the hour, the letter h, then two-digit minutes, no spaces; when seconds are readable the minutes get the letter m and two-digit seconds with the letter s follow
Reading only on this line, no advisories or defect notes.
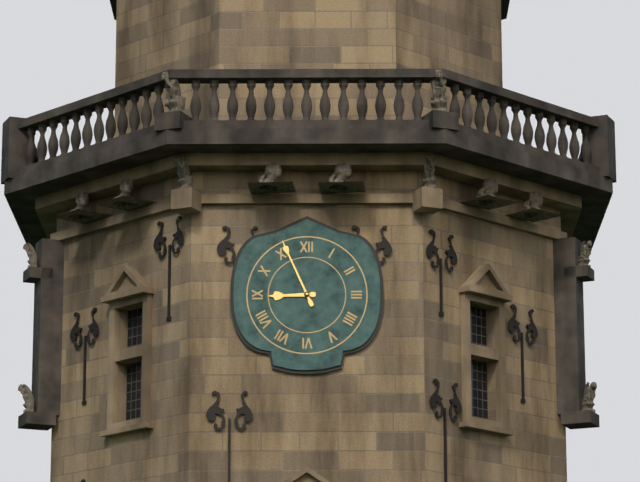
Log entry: 8h56
